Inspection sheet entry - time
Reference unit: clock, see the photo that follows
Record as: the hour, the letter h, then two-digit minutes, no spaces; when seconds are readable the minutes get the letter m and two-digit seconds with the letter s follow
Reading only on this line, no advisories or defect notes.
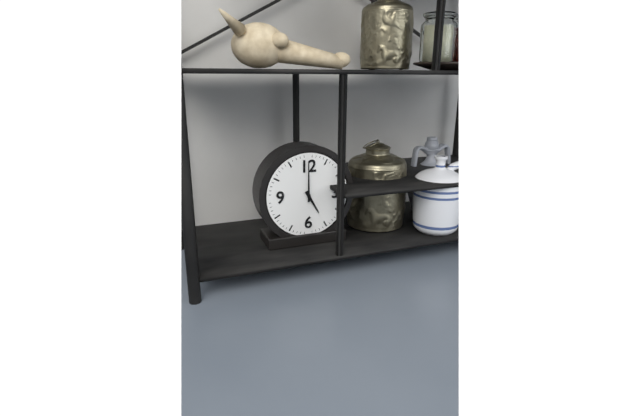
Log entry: 5h00
